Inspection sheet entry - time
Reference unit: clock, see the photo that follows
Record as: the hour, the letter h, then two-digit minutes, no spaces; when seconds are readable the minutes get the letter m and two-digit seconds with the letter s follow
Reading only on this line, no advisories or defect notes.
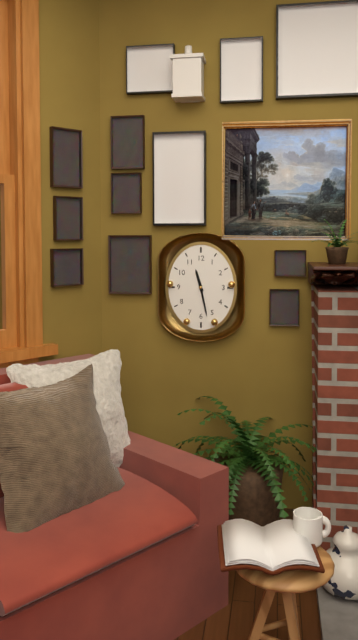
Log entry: 11h28
